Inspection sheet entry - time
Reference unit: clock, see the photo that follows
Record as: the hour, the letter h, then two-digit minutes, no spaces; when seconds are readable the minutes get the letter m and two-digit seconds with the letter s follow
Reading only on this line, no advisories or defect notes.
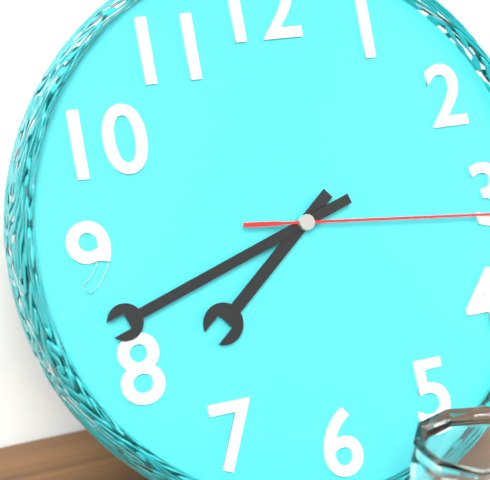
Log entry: 7h42
